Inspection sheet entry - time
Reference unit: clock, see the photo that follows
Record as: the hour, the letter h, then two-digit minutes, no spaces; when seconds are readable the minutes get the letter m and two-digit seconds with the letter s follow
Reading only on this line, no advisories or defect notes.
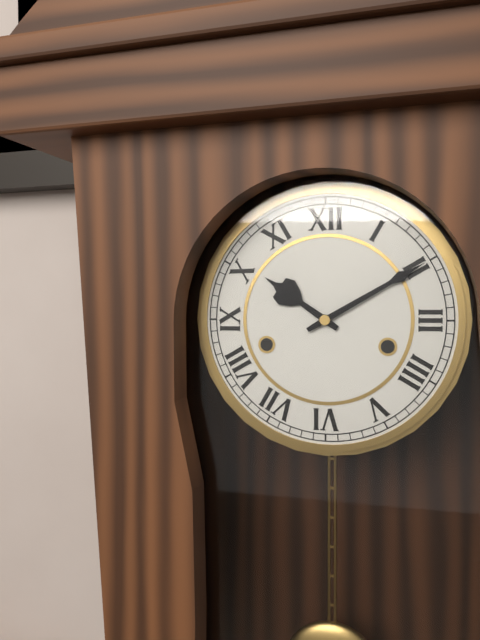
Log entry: 10h10
